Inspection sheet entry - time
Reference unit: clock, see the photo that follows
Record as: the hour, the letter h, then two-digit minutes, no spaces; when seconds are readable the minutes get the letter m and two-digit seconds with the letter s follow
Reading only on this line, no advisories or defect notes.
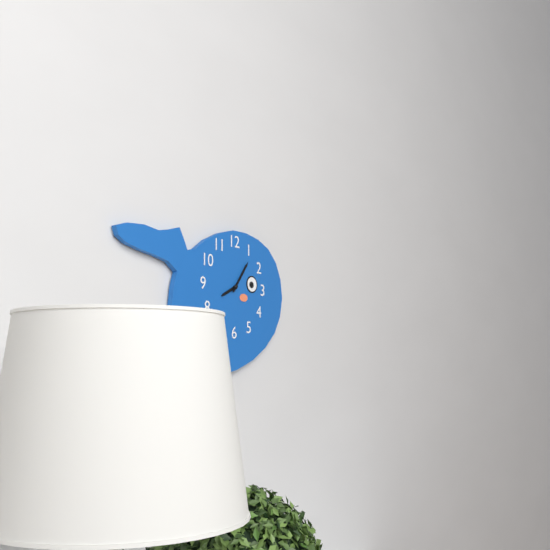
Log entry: 8h06
